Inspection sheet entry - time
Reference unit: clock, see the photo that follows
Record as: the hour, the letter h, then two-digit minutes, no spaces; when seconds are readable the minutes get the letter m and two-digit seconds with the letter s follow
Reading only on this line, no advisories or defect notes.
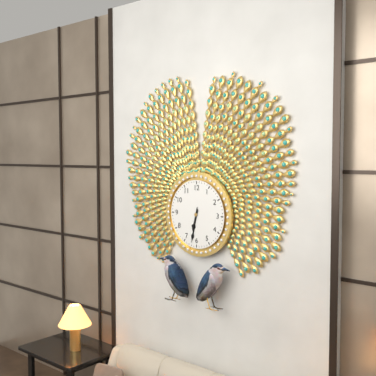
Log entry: 6h32
